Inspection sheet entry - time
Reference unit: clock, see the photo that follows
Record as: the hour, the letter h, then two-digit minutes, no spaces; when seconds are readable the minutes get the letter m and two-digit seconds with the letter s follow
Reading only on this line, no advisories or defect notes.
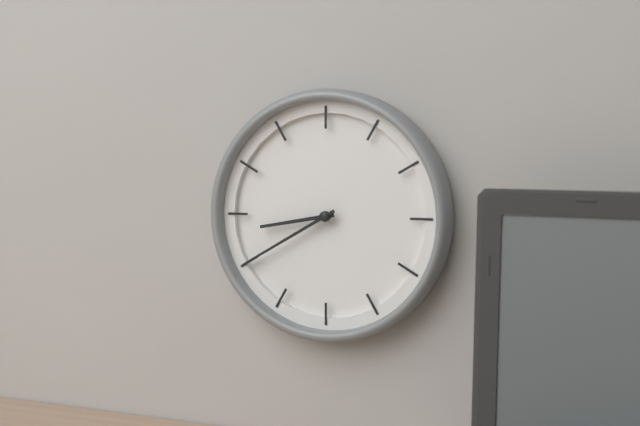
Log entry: 8h40
